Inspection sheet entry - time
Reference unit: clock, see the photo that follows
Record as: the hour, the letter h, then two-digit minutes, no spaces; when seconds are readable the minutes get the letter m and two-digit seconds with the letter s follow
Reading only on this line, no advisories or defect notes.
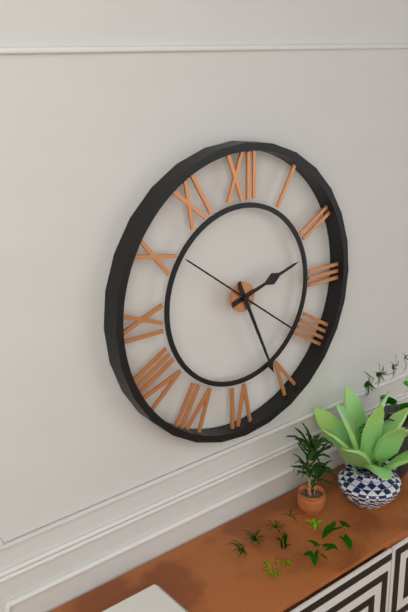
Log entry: 2h26m51s
